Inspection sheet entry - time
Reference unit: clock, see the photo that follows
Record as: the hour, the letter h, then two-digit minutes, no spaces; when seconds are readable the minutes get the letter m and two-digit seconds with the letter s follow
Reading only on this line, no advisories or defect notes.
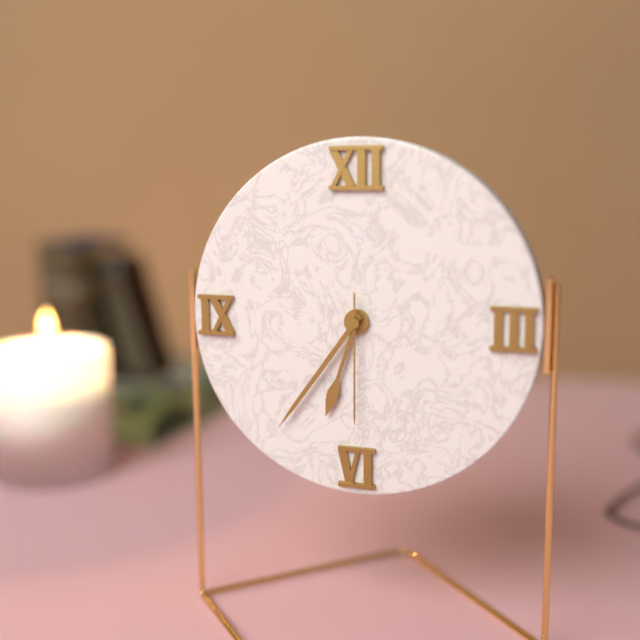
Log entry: 6h36m30s
